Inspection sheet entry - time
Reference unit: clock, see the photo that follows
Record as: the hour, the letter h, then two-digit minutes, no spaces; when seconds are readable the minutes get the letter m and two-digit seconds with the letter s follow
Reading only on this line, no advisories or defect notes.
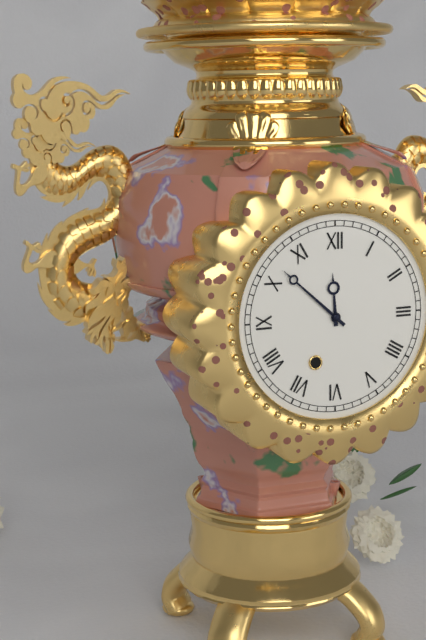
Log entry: 11h52
